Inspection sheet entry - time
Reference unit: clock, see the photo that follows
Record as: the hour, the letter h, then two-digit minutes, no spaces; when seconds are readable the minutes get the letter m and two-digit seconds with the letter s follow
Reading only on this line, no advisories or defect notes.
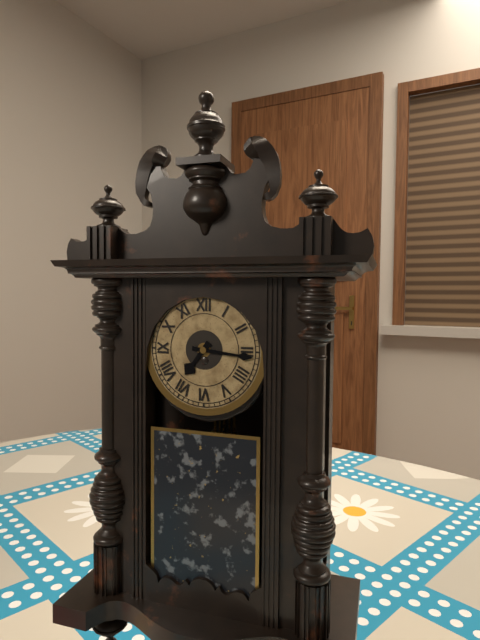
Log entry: 7h16
